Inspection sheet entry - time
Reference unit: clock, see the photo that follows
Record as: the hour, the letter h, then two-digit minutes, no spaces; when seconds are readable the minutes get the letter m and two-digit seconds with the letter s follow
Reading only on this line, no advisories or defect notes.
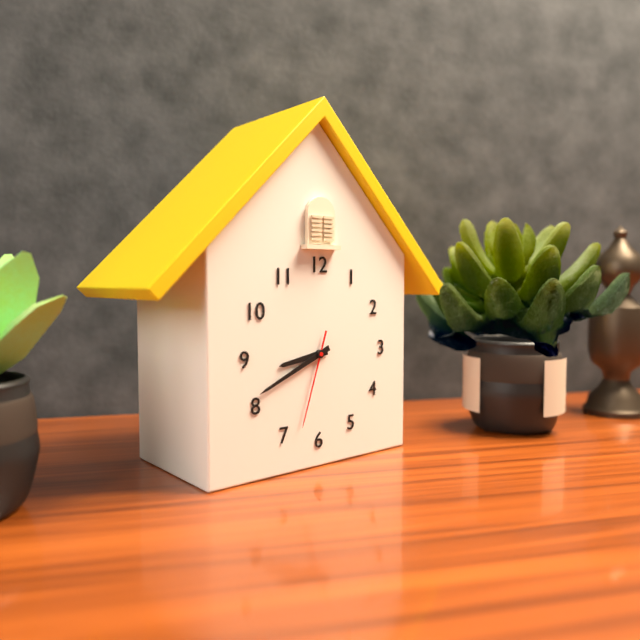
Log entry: 8h41m33s
